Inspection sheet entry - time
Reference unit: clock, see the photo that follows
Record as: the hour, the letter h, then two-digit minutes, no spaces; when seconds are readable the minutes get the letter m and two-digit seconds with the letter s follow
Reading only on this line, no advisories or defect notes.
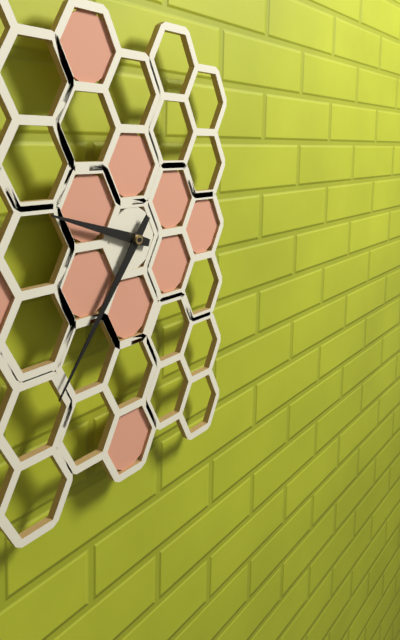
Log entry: 9h36
